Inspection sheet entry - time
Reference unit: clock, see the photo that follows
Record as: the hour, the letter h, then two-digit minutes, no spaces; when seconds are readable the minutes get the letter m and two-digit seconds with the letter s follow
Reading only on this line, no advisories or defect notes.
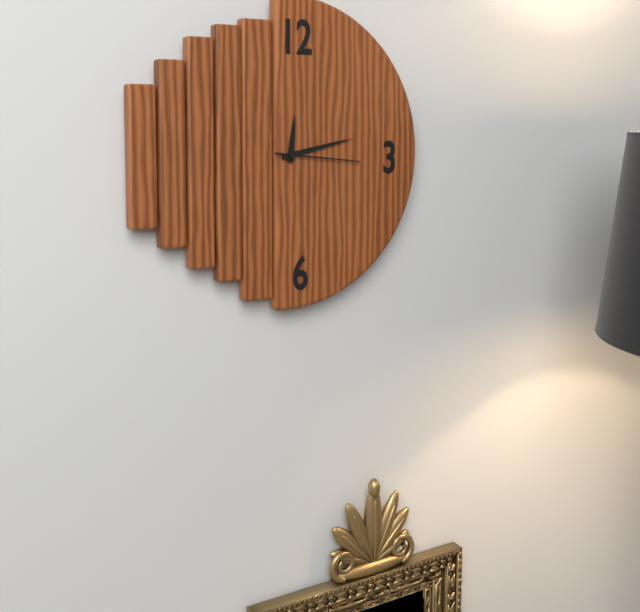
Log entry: 12h13m16s
